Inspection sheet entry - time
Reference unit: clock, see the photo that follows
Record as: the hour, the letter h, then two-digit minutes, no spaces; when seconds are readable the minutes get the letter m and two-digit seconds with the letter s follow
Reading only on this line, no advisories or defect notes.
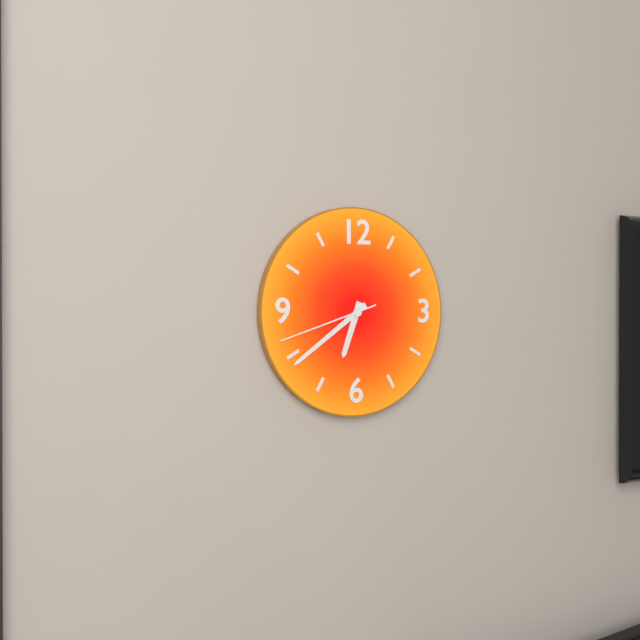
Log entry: 6h39m42s
